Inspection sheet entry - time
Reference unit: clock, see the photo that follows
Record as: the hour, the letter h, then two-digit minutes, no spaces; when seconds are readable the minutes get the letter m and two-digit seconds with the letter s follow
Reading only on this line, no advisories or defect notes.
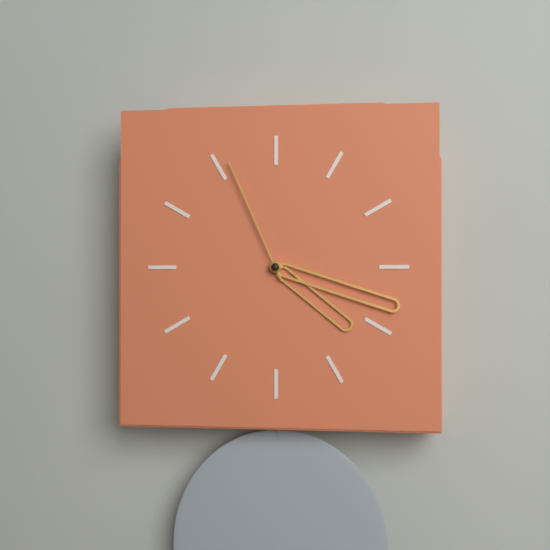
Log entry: 4h18m56s
